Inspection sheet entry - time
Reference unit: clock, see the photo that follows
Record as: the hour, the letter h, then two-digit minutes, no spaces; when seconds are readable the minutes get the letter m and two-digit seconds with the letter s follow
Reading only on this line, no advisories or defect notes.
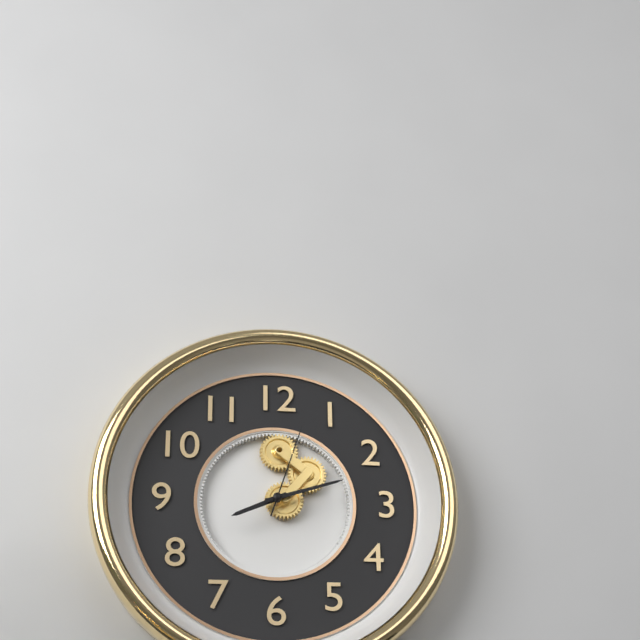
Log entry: 8h12m03s
